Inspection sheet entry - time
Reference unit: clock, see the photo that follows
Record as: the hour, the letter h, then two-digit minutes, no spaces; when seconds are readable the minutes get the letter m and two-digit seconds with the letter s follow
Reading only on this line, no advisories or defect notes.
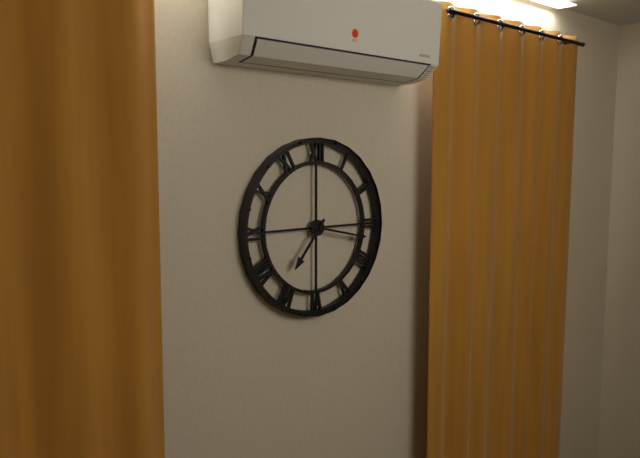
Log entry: 7h17
